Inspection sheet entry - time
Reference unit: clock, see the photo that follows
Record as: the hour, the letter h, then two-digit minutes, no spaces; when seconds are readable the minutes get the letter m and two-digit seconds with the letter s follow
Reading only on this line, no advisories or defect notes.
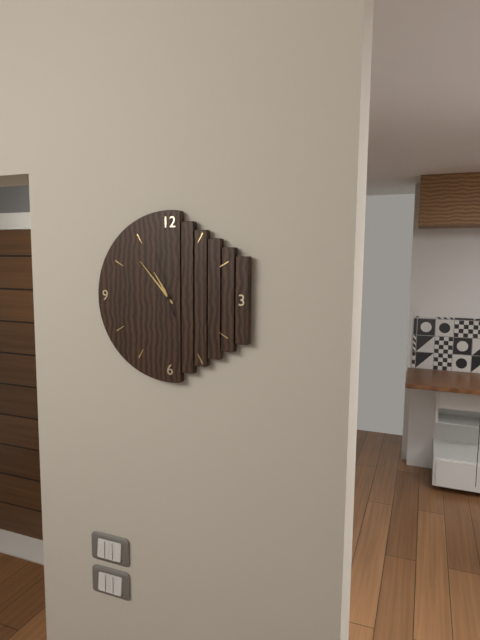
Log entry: 10h53m57s
